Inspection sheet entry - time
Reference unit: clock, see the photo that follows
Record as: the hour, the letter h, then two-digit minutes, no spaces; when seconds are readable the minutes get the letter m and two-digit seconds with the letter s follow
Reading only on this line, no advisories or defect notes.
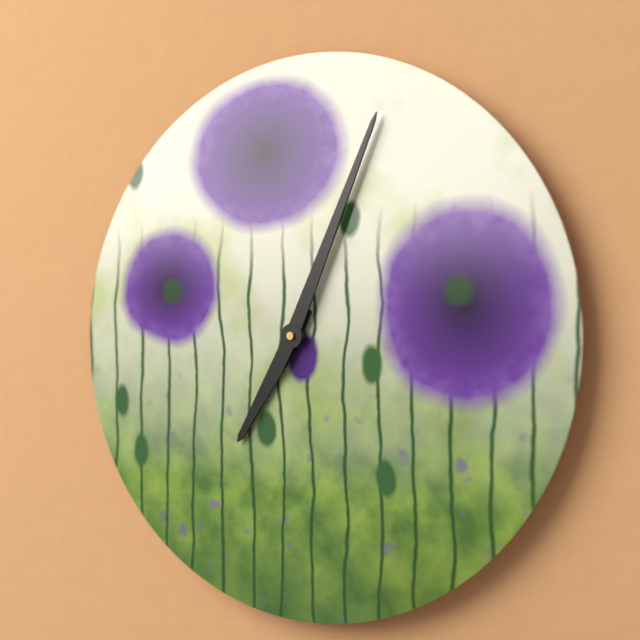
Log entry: 7h04
